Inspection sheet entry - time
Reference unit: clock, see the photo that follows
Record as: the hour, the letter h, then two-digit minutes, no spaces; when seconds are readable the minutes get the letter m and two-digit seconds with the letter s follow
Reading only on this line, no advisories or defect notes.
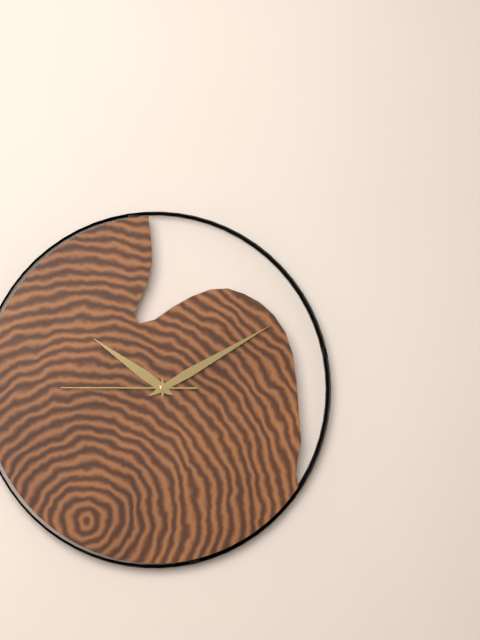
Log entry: 10h10m45s
